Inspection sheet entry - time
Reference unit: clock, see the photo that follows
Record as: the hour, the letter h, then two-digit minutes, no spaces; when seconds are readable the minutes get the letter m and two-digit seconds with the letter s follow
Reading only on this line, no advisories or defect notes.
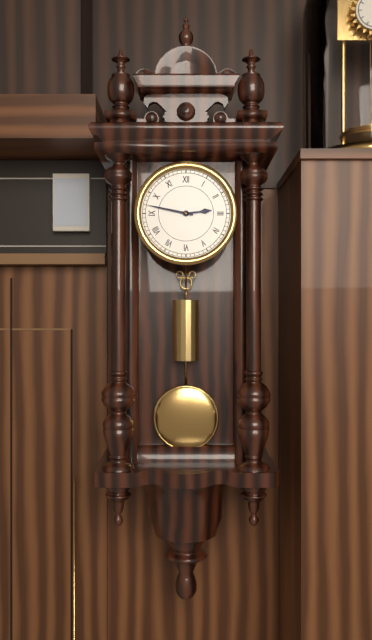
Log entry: 2h47
